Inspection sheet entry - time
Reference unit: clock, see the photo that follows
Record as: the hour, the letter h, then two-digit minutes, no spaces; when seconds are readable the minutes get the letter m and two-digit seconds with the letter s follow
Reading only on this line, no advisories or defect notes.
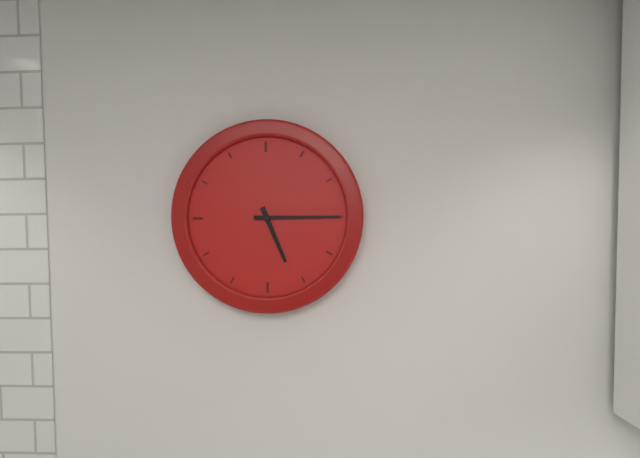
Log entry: 5h15
